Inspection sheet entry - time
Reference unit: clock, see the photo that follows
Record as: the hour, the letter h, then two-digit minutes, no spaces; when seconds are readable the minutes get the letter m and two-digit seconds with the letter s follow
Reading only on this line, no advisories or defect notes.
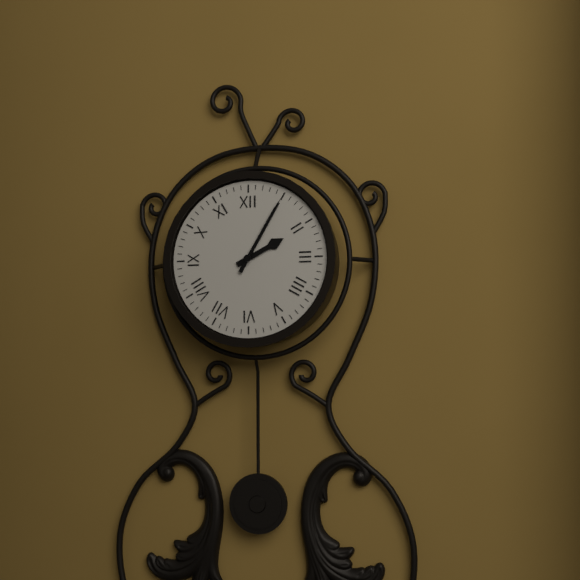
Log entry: 2h05
